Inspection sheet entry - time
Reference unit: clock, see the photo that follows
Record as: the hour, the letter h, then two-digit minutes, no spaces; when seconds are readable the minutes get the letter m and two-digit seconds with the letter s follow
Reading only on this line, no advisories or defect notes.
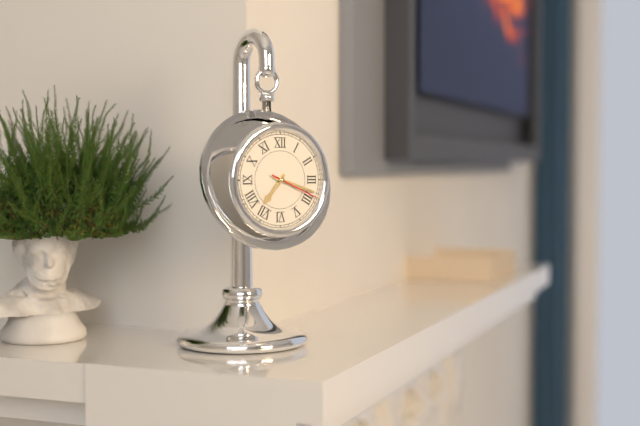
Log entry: 7h18
